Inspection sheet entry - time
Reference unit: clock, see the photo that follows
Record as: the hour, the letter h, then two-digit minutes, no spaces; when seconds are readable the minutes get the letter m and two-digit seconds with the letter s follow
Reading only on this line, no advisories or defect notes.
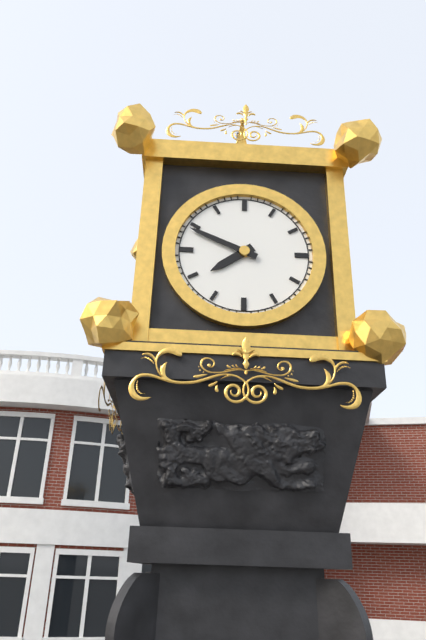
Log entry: 7h49
